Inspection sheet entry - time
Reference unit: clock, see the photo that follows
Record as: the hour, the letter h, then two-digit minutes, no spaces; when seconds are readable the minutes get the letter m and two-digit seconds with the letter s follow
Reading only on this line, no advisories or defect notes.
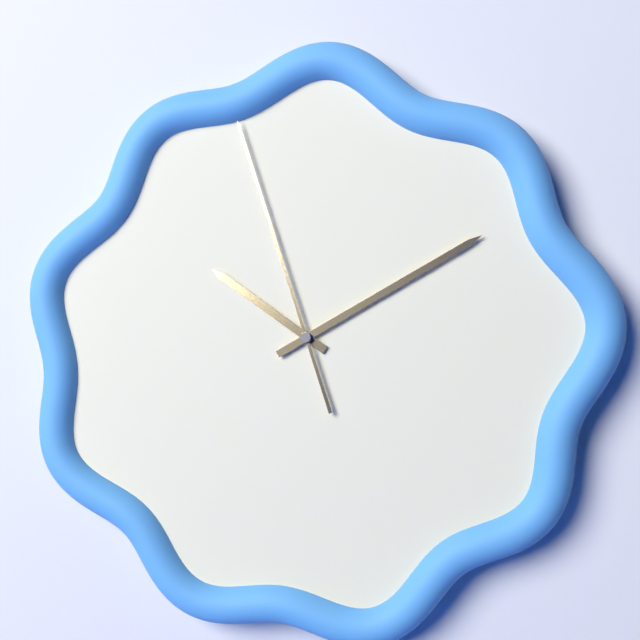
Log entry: 10h10m57s
